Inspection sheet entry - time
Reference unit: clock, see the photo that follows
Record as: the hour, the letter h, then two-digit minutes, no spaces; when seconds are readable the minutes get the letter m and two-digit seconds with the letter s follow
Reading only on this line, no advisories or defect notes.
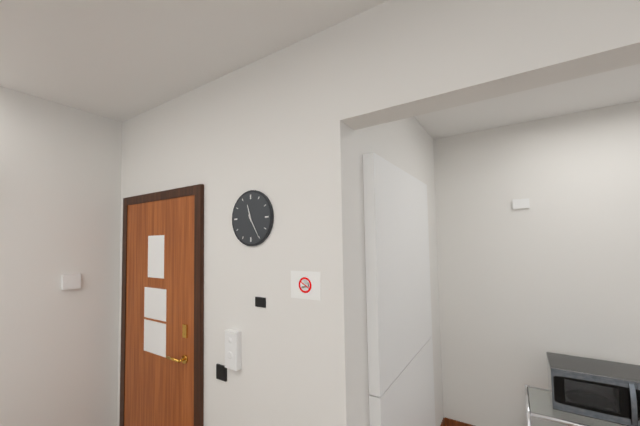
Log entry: 11h25
